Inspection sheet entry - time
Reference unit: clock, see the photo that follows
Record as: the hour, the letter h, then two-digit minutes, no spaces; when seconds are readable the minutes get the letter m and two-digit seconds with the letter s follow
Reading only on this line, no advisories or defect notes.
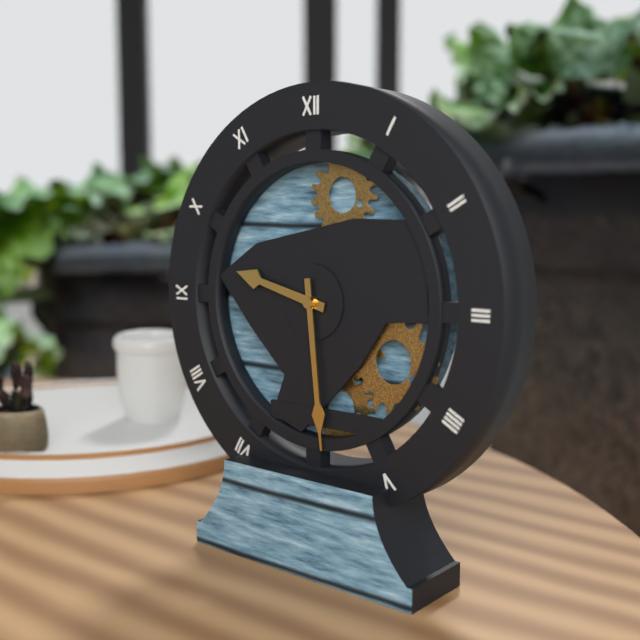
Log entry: 9h29
